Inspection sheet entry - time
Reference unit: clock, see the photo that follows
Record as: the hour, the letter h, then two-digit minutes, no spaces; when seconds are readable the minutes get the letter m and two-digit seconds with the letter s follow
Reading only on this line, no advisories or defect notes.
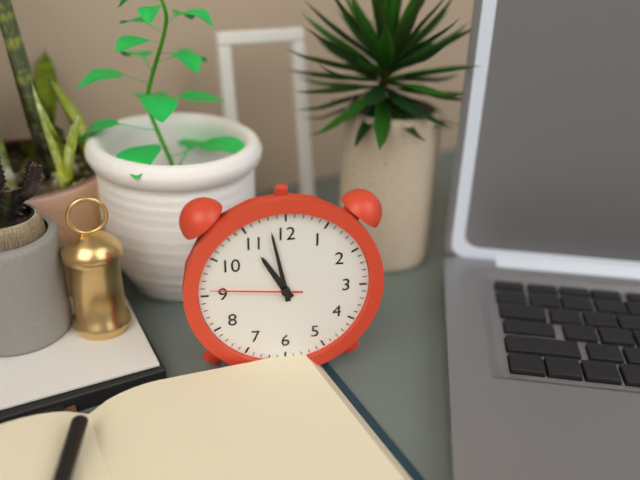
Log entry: 10h58m46s
